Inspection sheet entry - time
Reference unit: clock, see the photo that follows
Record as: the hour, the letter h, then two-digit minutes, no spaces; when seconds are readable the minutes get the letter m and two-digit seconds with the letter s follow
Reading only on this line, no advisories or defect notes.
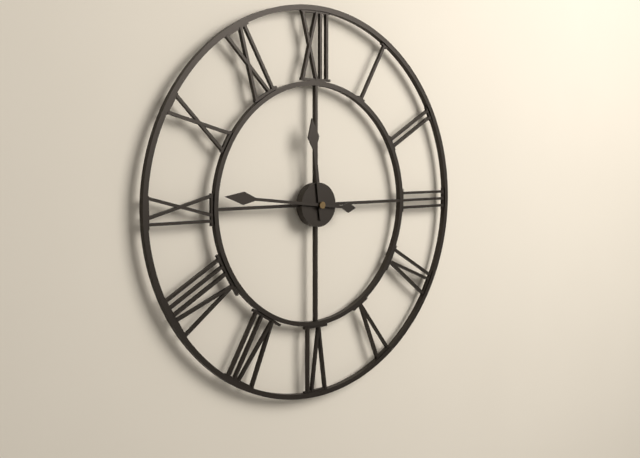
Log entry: 11h46
